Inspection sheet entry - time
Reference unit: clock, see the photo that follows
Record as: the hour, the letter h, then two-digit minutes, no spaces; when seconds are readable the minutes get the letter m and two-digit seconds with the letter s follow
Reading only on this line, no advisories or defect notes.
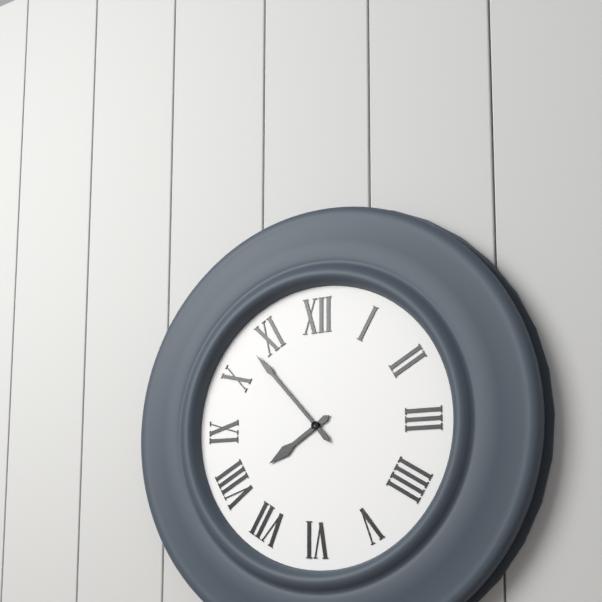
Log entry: 7h53
